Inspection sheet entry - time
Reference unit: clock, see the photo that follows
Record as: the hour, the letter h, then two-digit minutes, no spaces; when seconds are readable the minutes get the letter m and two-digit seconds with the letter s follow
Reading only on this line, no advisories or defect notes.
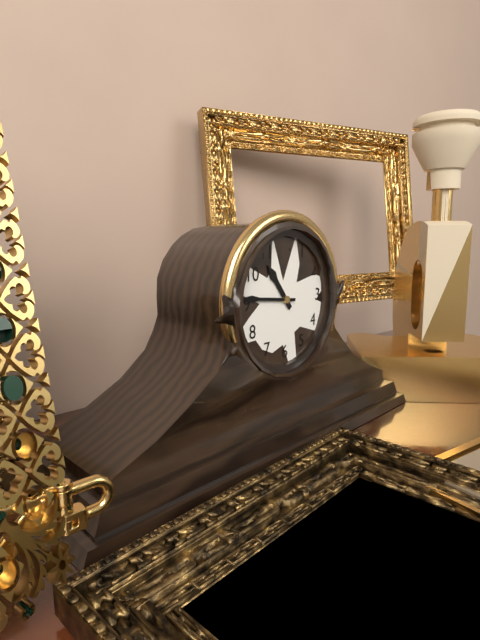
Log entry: 10h46
